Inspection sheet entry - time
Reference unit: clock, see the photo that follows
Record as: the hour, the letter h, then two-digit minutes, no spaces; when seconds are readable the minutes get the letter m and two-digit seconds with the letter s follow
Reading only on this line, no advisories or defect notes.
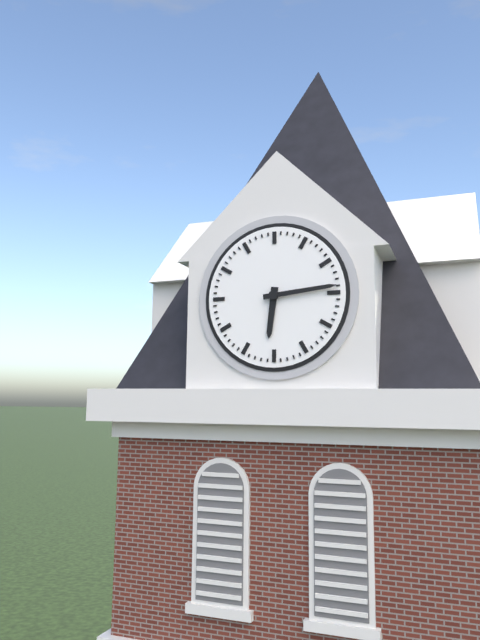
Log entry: 6h14
